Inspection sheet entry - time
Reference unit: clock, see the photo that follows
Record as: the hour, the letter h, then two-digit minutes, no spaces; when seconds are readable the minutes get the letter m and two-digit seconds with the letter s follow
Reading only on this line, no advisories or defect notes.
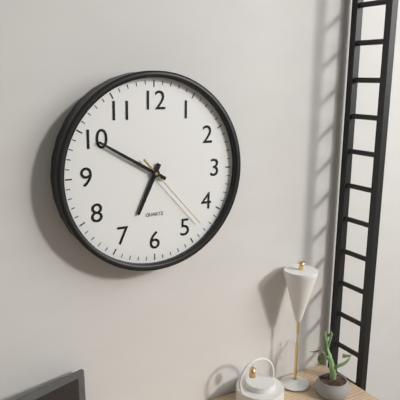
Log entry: 6h50m23s
